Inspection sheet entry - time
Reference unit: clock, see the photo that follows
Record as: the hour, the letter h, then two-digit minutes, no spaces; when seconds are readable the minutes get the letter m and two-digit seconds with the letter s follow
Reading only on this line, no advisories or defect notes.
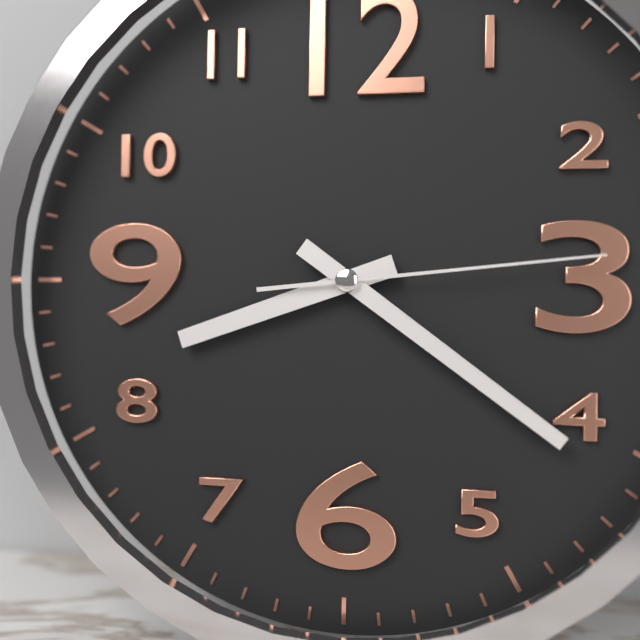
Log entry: 8h21m14s
